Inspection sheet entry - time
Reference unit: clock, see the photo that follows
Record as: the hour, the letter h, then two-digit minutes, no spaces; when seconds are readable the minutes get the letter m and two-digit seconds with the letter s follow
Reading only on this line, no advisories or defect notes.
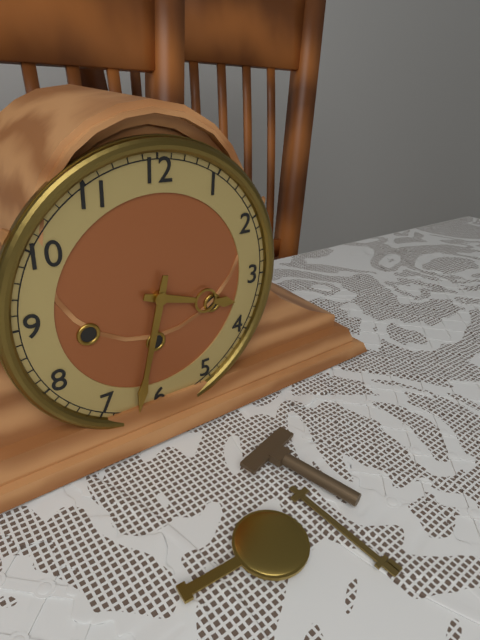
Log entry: 3h32
